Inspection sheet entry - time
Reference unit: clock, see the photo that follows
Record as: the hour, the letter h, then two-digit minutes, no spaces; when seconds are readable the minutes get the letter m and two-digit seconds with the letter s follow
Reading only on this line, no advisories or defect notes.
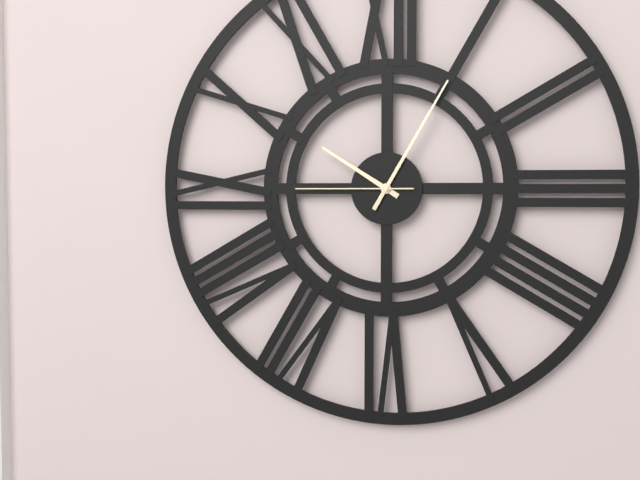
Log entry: 10h05m45s
